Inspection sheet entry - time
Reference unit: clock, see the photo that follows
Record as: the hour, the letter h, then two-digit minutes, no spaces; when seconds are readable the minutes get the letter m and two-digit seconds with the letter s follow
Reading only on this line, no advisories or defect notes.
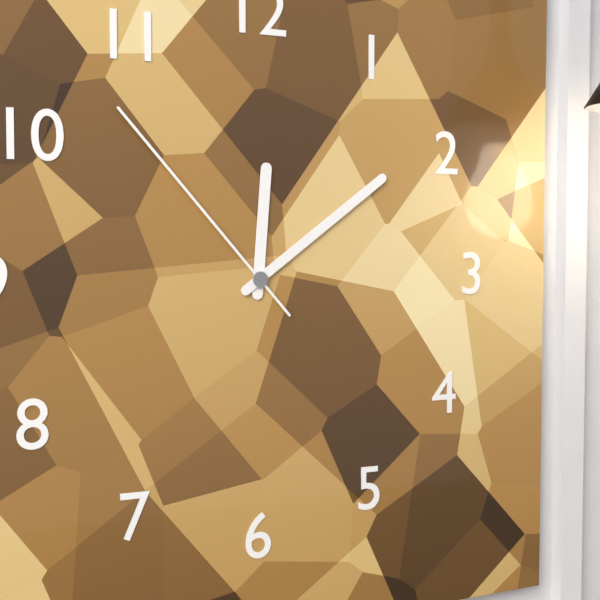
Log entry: 12h09m53s
